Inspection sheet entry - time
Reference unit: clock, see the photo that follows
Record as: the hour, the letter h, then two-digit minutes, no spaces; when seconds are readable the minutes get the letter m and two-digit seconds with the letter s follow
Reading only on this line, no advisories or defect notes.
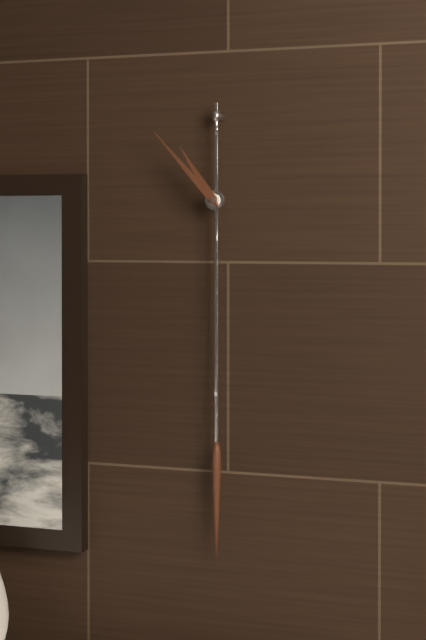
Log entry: 10h53
